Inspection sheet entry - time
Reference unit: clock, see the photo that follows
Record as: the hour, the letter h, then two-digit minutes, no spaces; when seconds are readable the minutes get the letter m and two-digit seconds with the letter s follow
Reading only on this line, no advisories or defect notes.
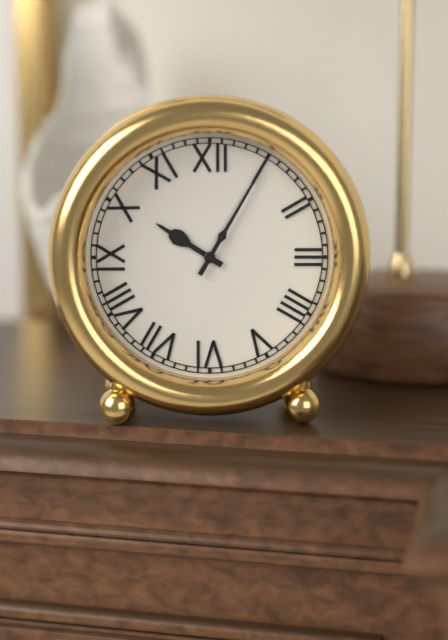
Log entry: 10h05
